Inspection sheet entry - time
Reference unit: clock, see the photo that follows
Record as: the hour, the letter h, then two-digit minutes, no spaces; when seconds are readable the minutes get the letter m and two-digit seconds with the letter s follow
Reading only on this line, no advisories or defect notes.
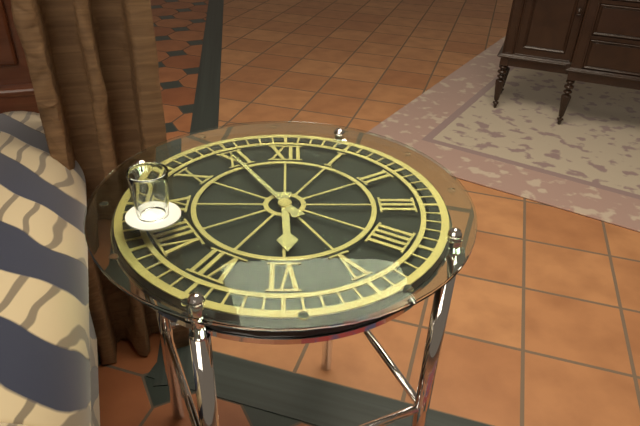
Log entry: 5h55
